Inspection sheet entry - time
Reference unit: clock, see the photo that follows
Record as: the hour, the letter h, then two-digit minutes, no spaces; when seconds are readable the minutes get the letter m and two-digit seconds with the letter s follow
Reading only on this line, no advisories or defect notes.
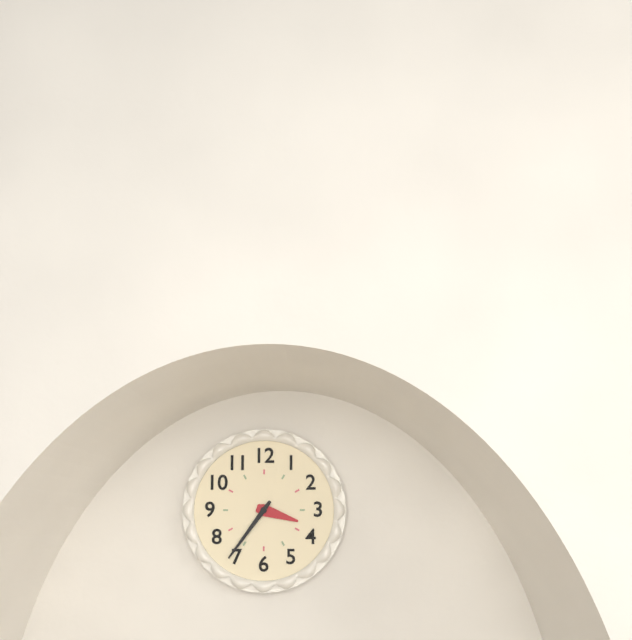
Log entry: 3h36
